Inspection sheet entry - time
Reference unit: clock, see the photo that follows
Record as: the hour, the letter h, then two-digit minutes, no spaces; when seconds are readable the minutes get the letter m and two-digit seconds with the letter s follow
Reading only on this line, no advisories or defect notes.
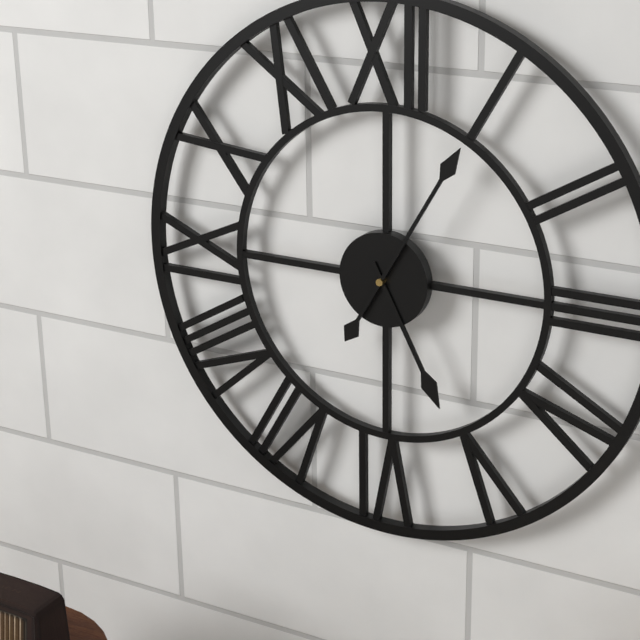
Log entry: 5h05
